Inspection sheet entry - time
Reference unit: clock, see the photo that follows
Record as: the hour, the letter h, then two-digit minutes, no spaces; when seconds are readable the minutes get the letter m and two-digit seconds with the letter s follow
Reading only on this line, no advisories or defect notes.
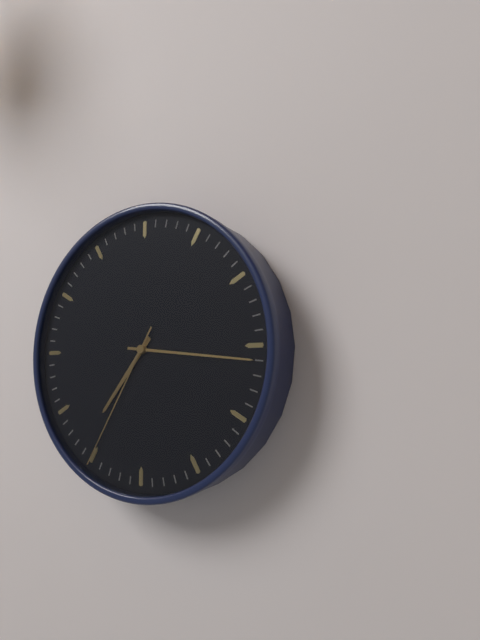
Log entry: 7h16m35s
